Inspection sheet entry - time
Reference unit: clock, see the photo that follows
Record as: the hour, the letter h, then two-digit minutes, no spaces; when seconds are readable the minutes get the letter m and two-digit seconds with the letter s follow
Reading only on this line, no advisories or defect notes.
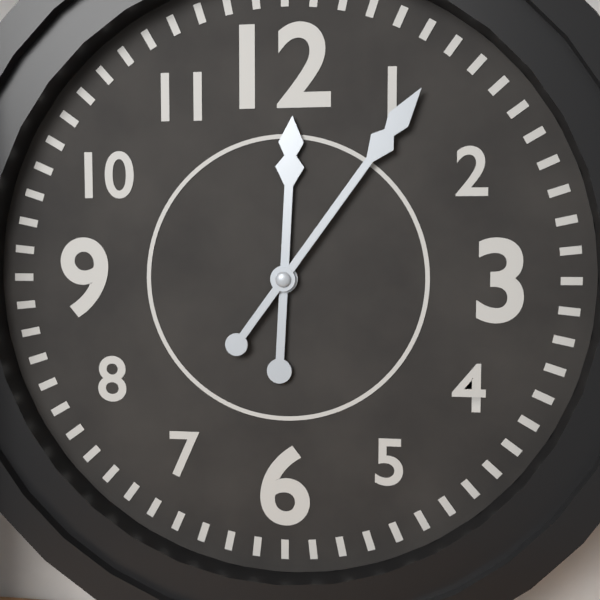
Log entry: 12h06
